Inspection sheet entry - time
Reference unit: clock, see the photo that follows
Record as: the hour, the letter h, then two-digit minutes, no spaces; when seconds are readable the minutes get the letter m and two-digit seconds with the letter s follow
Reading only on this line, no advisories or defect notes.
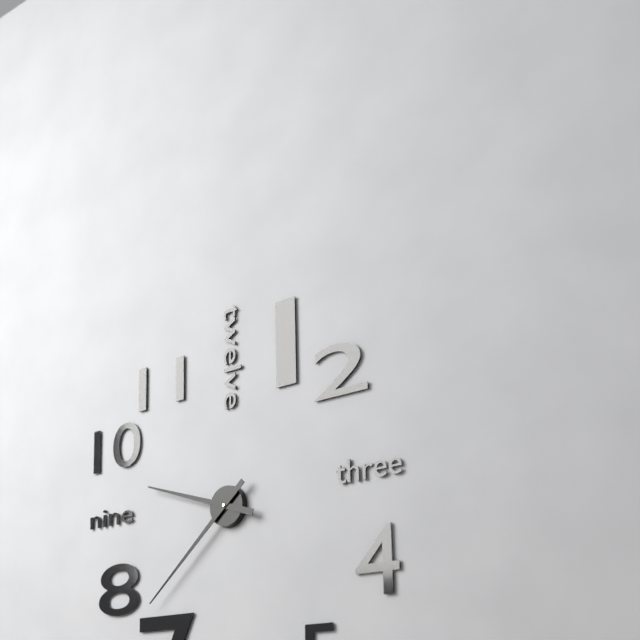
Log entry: 9h38
